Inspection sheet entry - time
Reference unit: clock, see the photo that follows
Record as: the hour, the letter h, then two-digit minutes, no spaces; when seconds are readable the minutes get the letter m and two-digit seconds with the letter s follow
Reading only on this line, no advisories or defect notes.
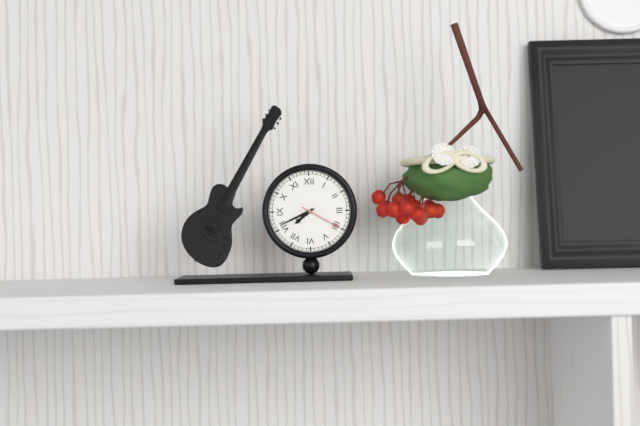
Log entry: 7h41
